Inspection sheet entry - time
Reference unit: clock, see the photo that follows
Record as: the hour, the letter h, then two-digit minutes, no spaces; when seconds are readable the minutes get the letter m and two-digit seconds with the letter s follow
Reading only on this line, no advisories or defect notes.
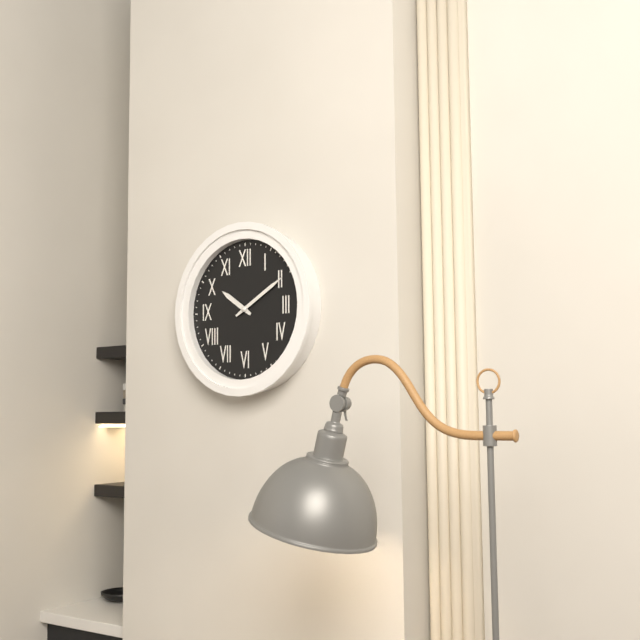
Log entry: 10h10
